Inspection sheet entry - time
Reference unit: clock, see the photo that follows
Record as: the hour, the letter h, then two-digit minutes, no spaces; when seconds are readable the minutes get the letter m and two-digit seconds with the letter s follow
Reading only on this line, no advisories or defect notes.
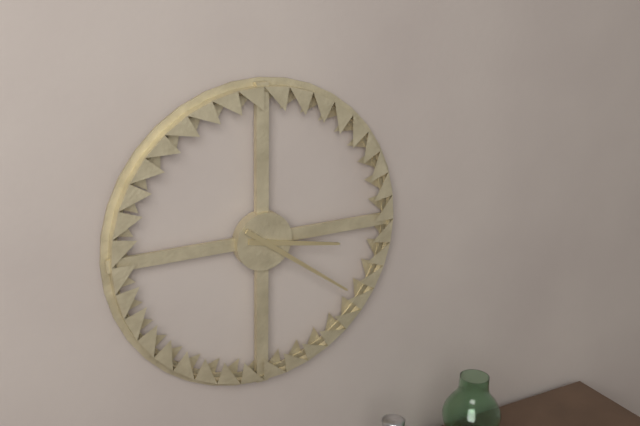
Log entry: 3h21
